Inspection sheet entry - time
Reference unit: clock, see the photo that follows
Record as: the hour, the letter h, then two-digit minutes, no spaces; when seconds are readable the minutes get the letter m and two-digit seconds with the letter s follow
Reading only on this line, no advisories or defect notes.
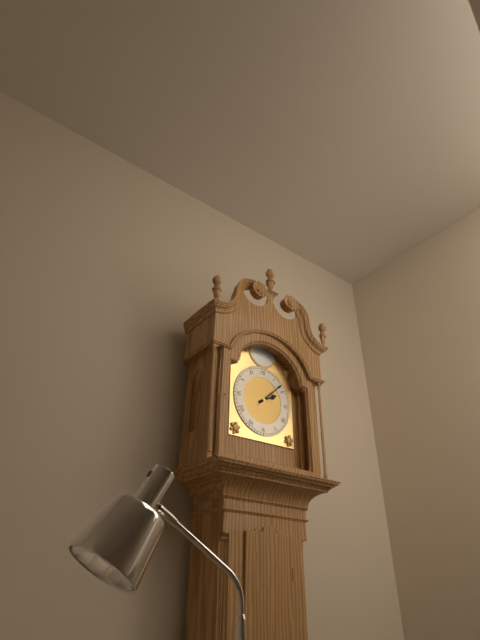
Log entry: 2h08
